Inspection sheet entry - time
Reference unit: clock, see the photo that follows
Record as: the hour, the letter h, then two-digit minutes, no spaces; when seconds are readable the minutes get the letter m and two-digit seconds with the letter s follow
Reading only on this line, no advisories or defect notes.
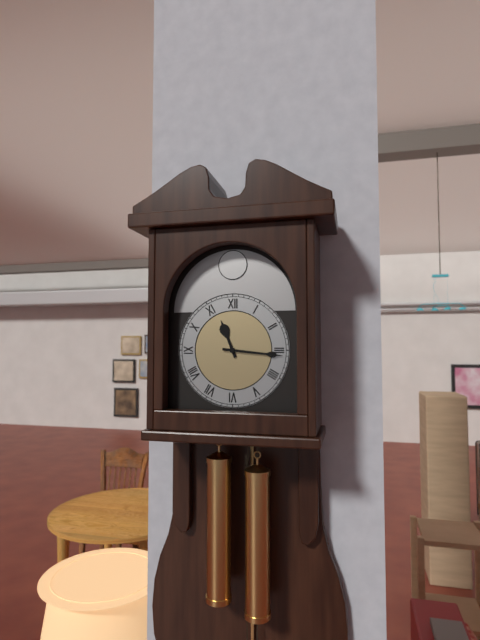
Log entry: 11h16
